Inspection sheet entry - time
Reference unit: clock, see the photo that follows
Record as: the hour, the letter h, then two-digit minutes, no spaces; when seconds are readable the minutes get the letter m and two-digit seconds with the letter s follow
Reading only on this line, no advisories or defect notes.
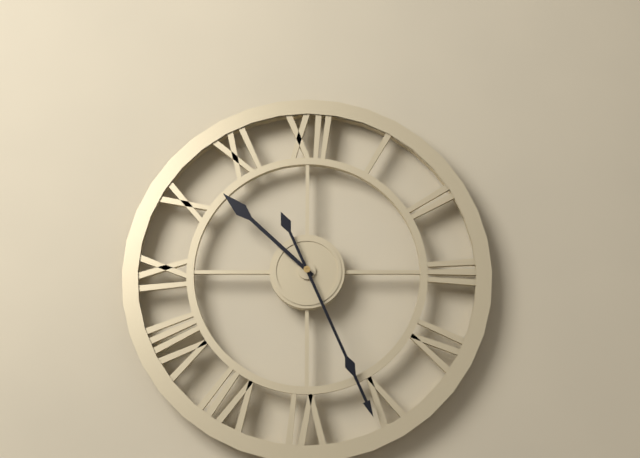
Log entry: 10h26
